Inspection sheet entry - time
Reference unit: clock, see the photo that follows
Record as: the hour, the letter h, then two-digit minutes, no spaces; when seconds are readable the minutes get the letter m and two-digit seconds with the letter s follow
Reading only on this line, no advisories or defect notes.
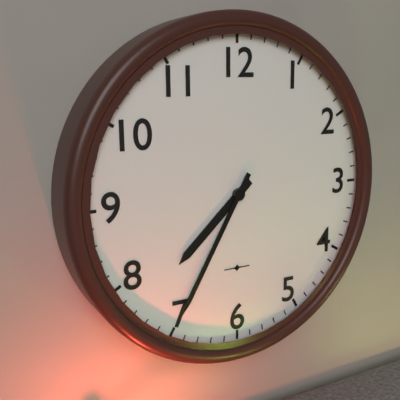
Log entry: 7h35
